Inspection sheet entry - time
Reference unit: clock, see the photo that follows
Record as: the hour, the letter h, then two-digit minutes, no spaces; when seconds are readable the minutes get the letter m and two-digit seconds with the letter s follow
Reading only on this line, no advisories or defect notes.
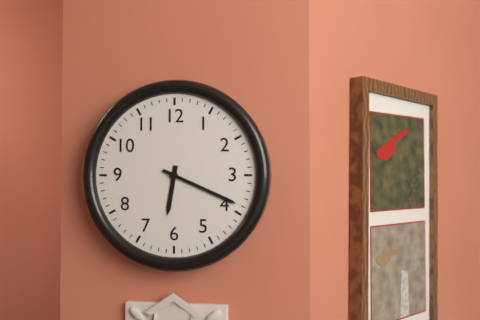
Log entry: 6h19
